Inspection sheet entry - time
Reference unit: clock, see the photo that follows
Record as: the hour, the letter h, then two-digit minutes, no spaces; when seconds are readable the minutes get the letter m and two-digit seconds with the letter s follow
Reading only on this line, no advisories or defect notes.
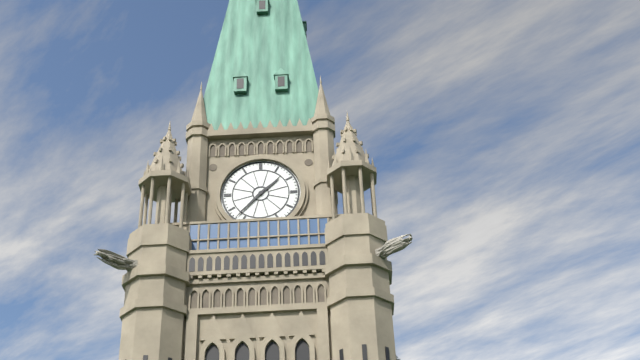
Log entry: 1h37
